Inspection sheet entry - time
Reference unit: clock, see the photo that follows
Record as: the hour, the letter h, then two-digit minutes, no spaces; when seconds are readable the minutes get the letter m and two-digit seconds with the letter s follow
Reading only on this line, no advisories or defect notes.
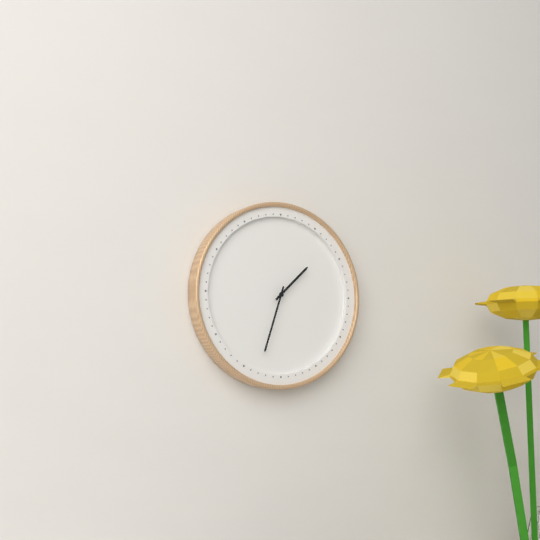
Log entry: 1h33
